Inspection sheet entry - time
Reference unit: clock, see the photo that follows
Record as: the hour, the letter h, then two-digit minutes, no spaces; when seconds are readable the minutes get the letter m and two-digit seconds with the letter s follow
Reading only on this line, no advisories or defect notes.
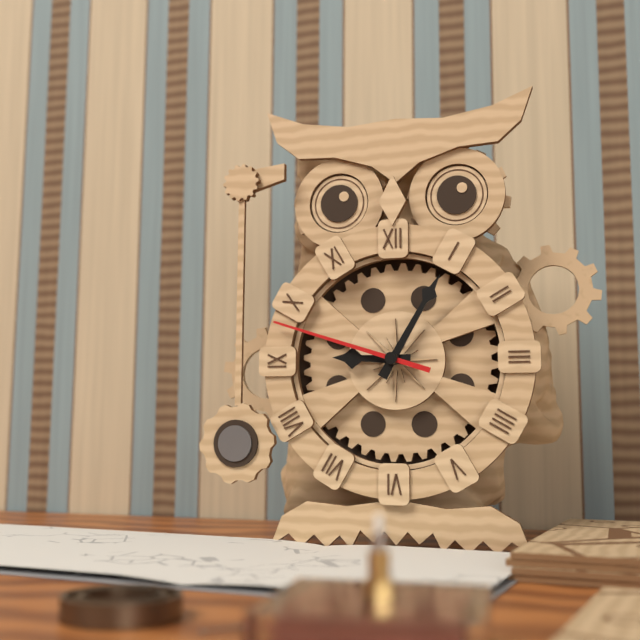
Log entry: 9h05m48s
